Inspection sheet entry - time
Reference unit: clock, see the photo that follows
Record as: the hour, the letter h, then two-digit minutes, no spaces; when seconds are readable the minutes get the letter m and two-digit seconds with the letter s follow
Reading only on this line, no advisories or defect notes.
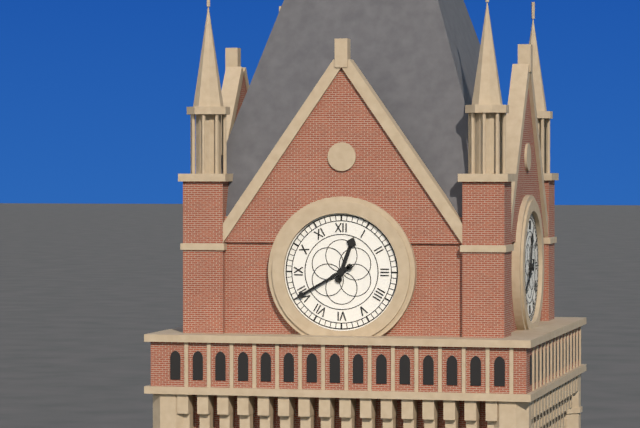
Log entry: 12h40
